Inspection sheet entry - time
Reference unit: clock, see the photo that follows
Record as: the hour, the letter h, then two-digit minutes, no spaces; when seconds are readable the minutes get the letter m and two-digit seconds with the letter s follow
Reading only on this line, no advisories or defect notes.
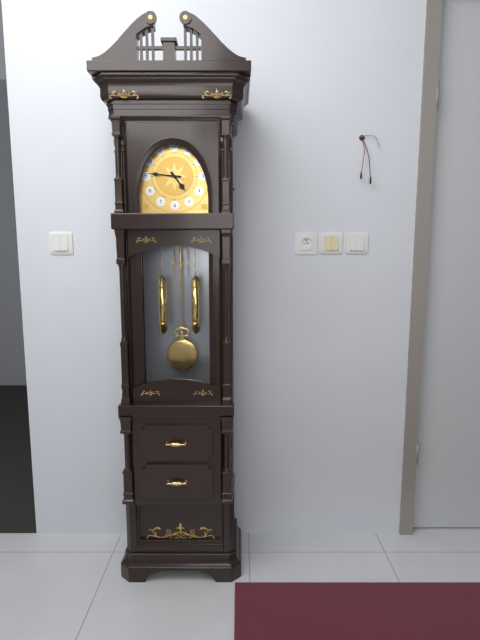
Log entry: 4h46
